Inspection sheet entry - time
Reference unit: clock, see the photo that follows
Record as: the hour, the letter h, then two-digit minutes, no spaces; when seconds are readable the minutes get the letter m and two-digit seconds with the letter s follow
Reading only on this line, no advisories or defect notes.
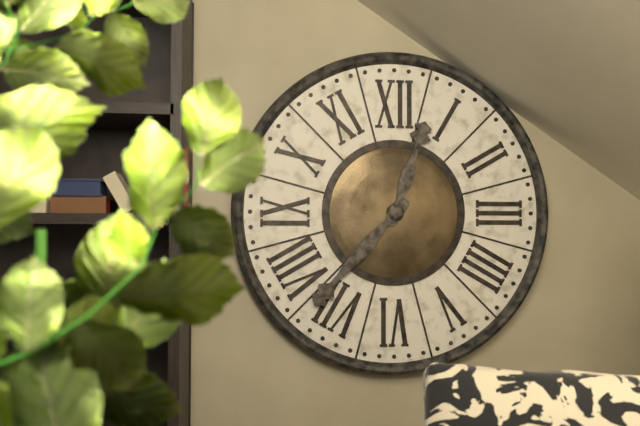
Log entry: 12h37
